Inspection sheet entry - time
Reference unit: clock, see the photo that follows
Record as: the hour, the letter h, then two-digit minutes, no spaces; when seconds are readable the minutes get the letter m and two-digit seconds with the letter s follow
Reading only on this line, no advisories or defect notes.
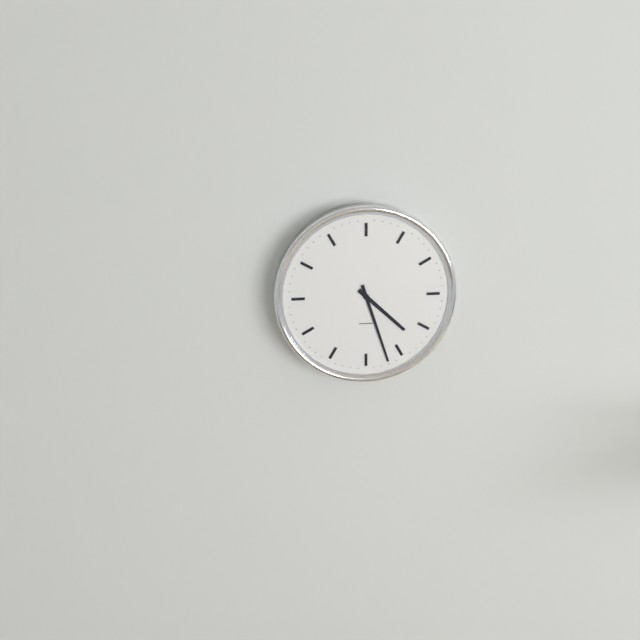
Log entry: 4h27
